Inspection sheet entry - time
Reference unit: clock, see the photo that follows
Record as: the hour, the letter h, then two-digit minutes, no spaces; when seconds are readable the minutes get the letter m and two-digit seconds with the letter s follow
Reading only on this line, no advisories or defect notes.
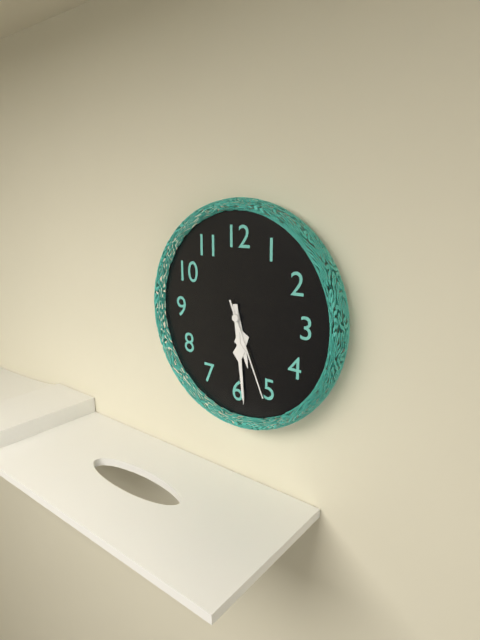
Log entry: 5h29m26s
